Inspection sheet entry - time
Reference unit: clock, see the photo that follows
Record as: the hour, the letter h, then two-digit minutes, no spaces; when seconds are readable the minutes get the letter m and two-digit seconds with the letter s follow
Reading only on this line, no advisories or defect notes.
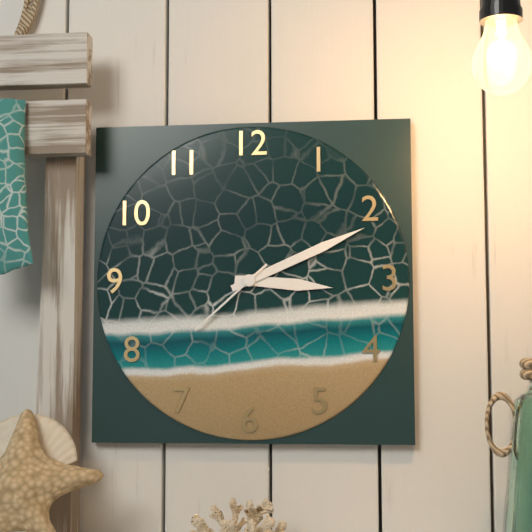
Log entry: 3h11m38s
